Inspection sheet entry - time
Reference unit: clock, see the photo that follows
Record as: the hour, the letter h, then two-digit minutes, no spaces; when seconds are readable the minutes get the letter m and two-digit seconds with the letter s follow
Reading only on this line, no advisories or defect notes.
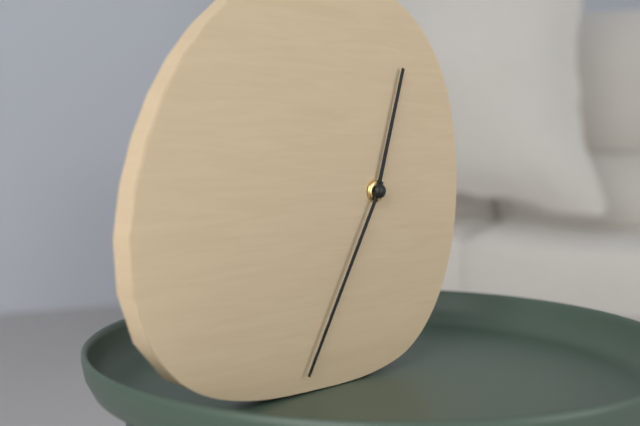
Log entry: 12h35
